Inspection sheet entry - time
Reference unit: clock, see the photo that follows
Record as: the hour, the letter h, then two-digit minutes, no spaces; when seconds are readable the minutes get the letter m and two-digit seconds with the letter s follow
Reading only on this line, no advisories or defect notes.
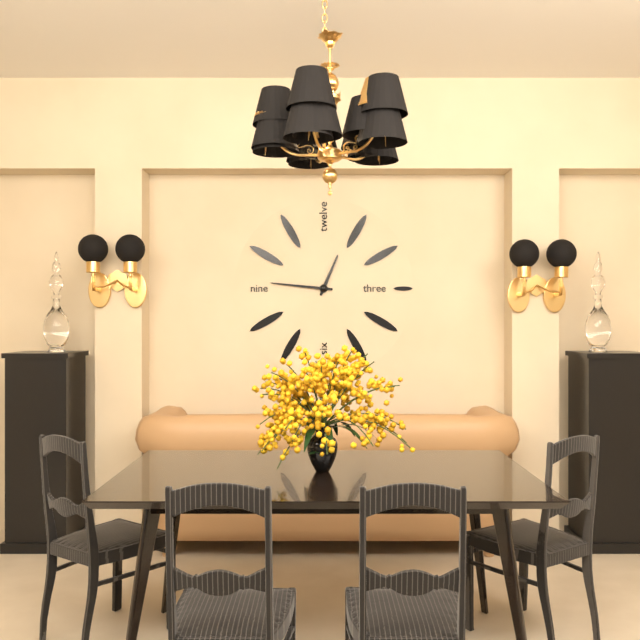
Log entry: 12h46
